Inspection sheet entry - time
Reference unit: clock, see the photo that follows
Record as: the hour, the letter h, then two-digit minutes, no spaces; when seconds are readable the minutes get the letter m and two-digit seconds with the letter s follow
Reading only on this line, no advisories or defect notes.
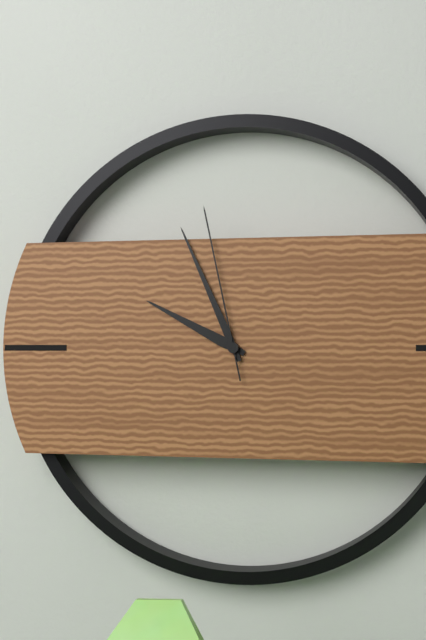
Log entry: 9h56m58s
